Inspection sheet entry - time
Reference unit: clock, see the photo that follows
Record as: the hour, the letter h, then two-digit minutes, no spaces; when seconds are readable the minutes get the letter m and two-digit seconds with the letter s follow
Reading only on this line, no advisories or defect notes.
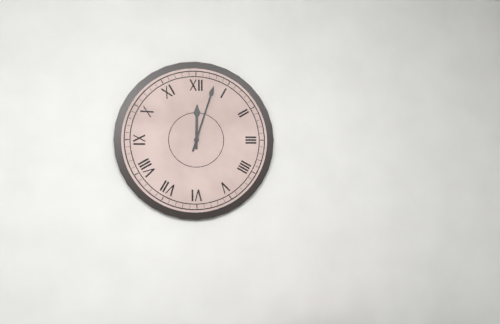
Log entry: 12h03
